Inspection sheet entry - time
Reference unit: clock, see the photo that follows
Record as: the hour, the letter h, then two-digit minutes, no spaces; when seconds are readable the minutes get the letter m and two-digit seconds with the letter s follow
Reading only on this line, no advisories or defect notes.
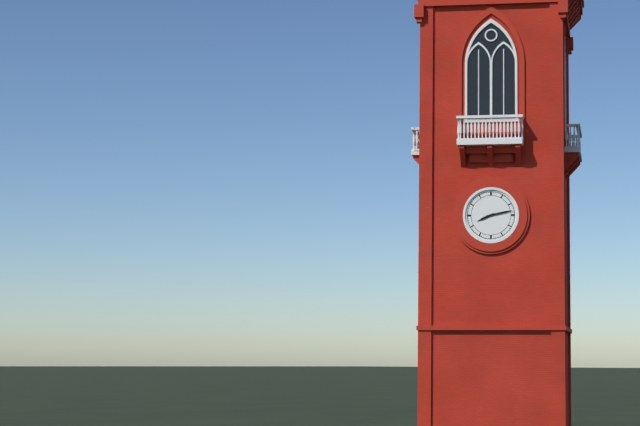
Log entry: 8h13
